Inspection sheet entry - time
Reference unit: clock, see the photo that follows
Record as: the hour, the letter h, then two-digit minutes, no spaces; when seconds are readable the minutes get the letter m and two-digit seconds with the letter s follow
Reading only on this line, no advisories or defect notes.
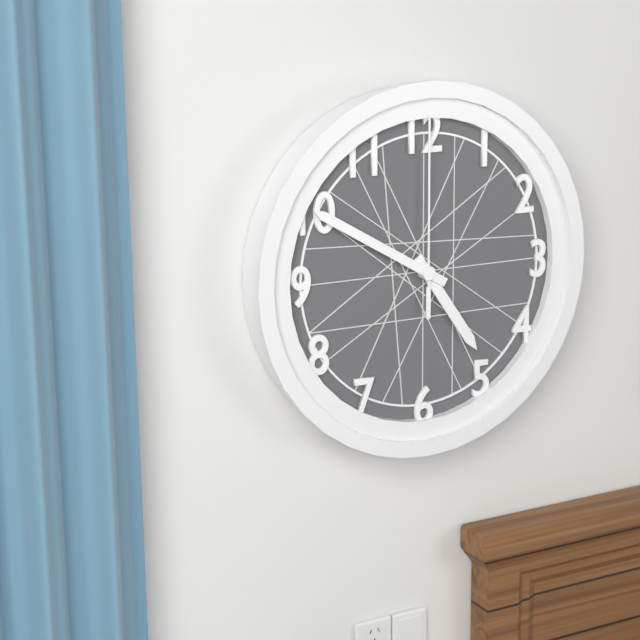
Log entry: 4h50m00s
